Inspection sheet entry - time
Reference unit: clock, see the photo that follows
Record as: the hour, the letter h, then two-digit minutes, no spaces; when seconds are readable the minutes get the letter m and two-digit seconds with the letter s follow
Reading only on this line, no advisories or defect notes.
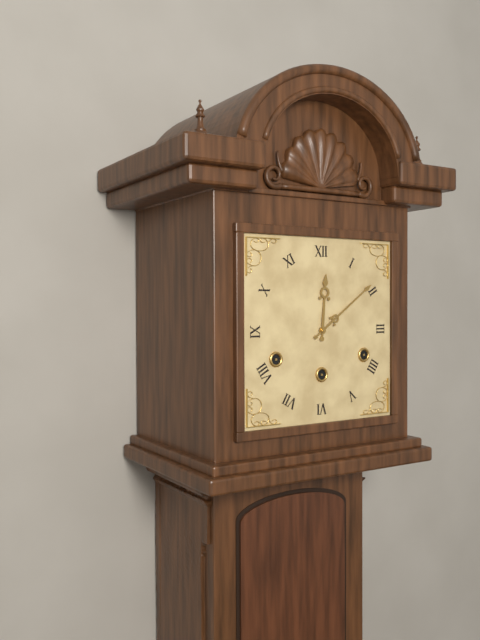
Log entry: 12h09
